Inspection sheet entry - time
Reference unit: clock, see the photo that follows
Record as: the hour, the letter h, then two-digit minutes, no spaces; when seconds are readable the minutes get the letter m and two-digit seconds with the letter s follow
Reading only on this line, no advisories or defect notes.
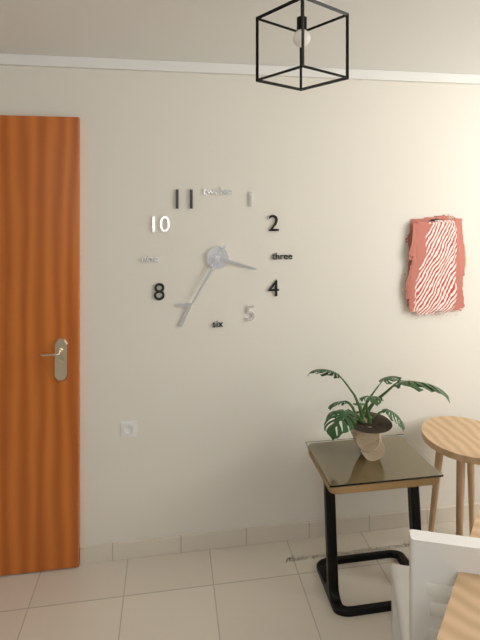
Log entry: 3h35
